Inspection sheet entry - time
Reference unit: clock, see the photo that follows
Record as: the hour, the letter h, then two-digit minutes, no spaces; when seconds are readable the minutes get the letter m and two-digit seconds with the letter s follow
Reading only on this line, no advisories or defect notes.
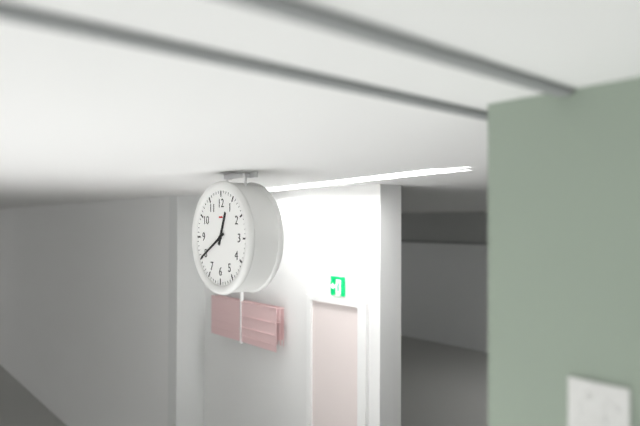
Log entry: 12h40
